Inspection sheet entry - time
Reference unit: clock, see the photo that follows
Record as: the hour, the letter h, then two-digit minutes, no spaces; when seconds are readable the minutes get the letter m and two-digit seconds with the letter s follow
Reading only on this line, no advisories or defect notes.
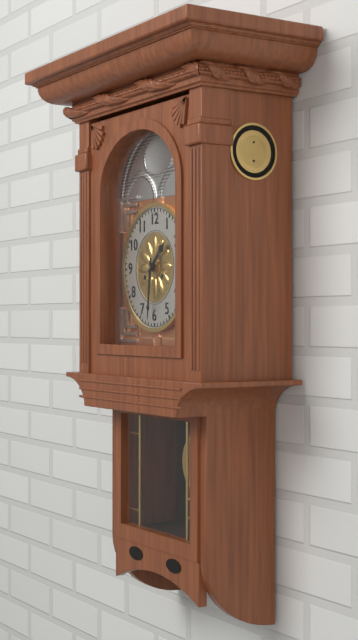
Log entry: 1h31
